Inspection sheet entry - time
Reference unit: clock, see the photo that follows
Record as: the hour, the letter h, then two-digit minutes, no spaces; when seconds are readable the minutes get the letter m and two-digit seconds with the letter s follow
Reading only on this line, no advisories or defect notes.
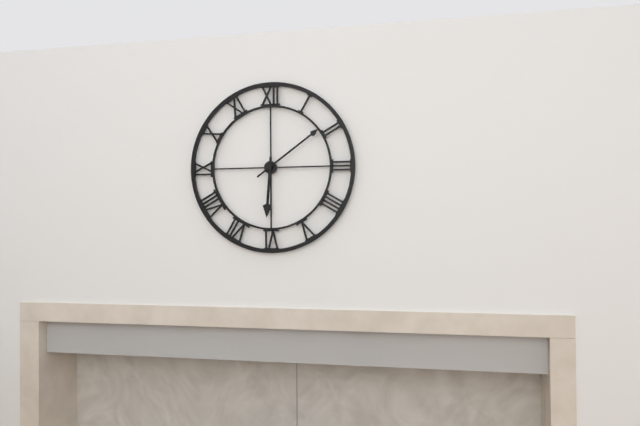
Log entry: 6h09
